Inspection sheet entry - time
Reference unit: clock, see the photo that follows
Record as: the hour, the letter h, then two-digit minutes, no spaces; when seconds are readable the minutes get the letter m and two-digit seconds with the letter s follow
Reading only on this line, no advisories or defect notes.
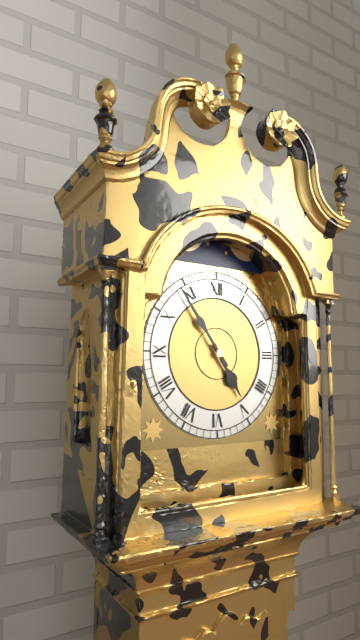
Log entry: 4h54
